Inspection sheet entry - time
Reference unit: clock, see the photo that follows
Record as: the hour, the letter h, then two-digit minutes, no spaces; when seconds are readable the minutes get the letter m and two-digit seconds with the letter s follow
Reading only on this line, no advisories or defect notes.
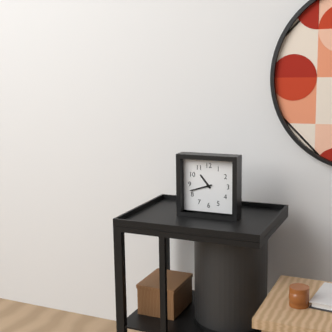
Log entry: 10h42
